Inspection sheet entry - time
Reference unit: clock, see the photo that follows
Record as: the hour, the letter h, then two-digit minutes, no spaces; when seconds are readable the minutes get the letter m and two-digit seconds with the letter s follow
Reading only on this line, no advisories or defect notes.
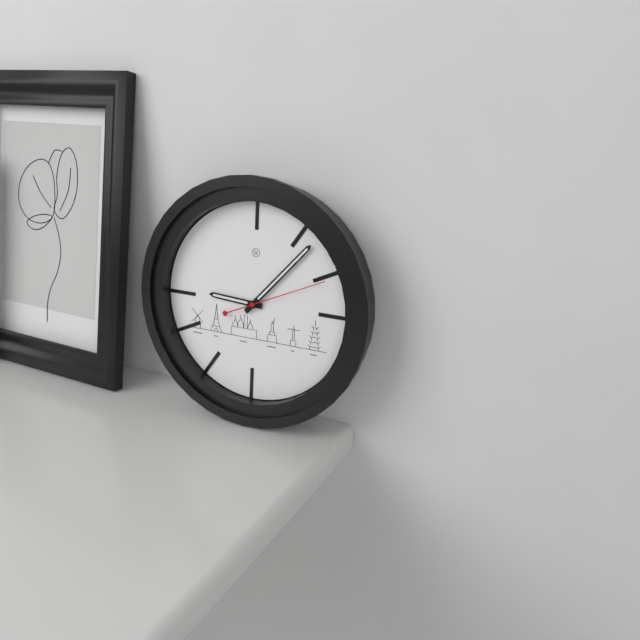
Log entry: 9h07m11s
